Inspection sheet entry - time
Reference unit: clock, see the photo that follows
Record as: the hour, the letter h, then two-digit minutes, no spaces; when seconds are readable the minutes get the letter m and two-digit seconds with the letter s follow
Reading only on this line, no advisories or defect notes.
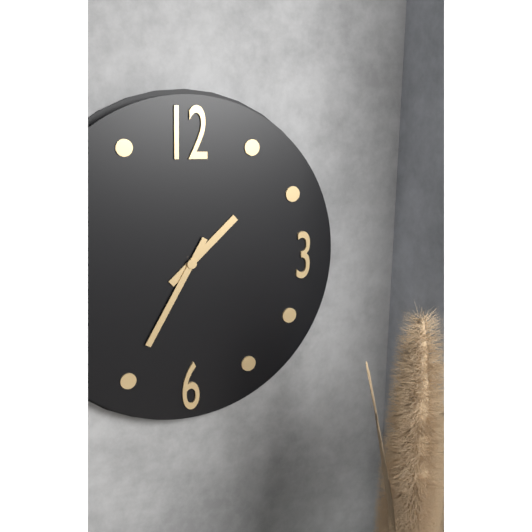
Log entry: 1h35
